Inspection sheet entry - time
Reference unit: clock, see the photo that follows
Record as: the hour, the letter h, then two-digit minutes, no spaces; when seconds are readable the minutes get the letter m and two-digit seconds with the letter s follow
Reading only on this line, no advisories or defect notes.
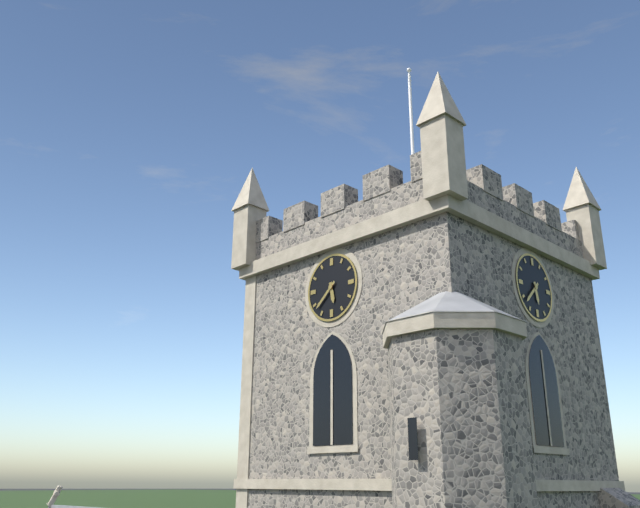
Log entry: 5h38
